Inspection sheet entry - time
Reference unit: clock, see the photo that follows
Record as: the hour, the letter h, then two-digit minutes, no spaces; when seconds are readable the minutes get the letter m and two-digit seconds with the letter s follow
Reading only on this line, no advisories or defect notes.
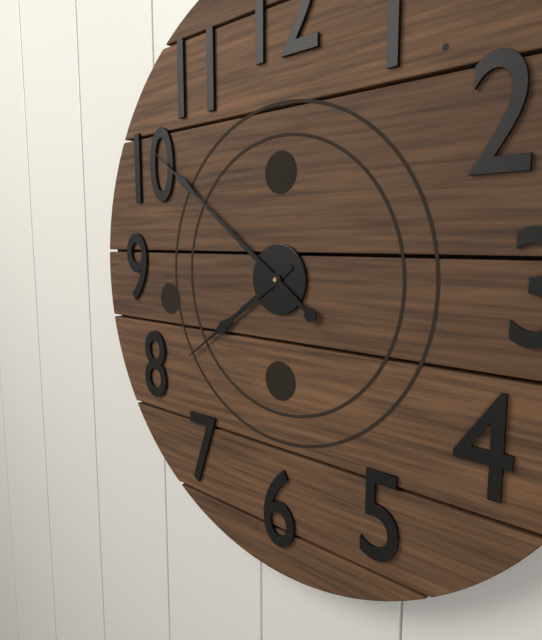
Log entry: 7h51
